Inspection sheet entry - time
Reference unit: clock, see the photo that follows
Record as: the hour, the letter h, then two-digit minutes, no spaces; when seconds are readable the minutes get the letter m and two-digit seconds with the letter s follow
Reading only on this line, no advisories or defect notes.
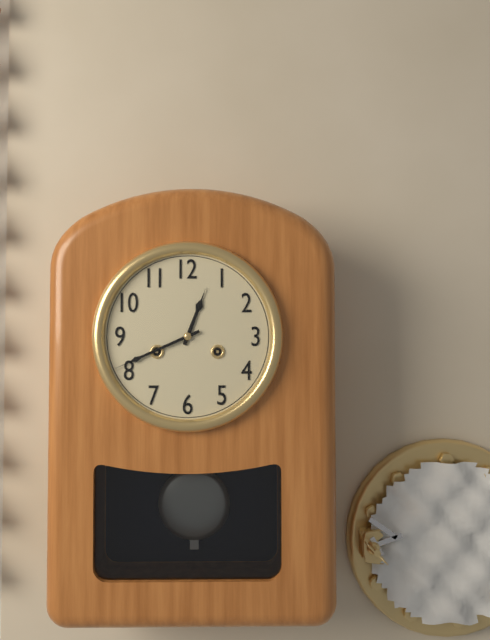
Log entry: 12h41
